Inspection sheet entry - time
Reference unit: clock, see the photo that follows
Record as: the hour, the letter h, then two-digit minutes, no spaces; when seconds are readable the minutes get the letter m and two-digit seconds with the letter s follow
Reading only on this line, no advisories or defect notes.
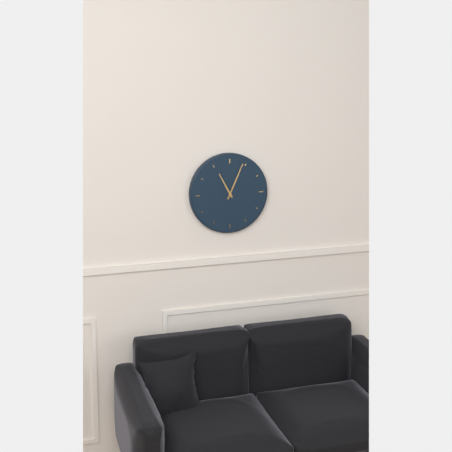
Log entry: 11h04
